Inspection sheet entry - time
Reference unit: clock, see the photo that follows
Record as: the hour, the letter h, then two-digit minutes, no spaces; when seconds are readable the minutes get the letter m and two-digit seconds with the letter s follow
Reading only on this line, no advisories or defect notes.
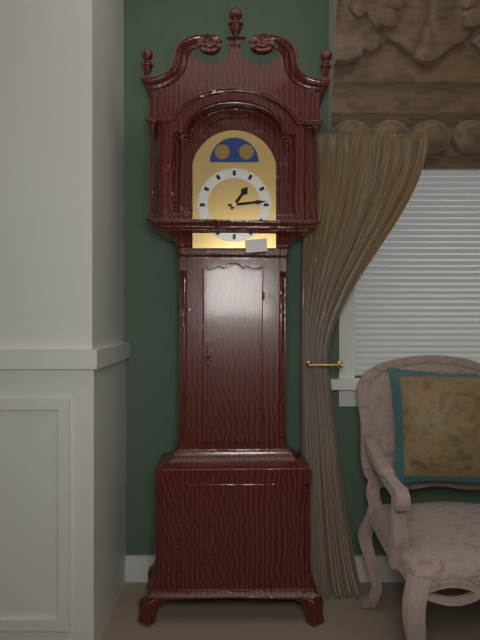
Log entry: 1h14
